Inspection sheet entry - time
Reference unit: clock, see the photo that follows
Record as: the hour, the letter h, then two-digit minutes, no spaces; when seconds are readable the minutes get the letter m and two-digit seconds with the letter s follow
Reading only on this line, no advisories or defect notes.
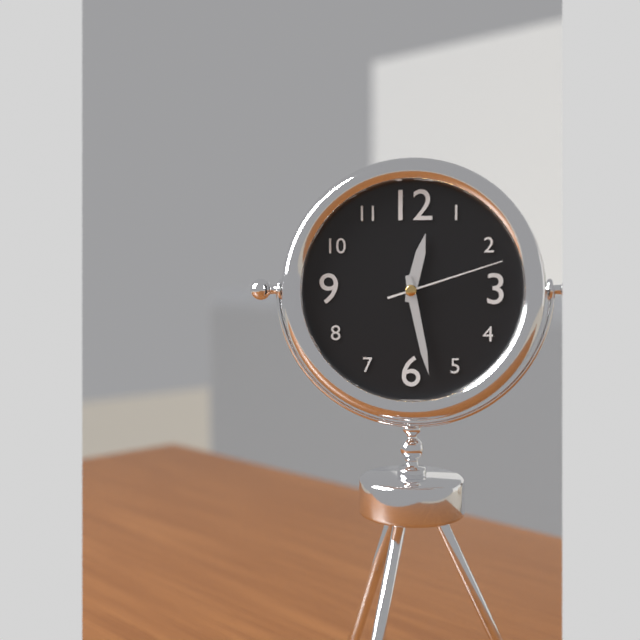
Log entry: 12h28m12s
